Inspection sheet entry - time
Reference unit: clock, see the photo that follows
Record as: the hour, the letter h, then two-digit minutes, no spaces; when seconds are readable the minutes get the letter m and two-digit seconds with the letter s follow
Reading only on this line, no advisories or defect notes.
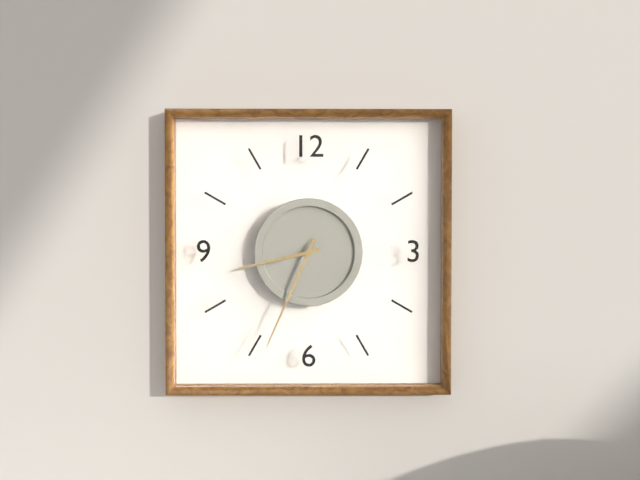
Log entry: 8h34
